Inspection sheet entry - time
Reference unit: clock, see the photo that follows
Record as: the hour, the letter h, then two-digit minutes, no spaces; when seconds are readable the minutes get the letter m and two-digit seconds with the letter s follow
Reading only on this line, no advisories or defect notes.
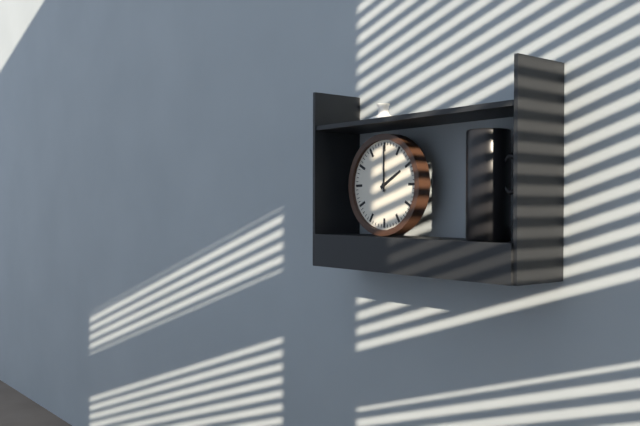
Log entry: 2h00
